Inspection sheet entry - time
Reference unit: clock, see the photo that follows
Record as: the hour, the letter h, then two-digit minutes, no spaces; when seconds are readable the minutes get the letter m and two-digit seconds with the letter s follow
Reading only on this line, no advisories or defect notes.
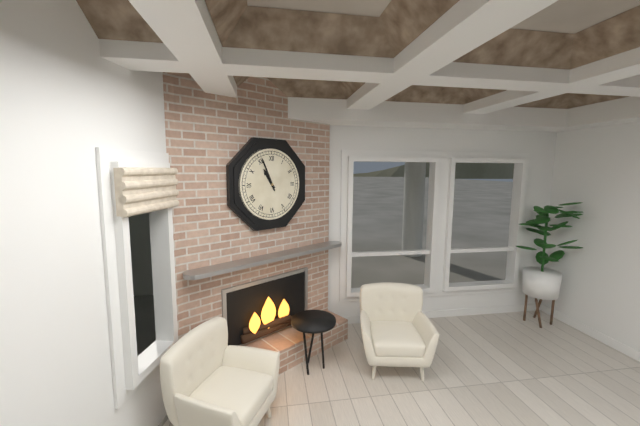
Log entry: 10h56
